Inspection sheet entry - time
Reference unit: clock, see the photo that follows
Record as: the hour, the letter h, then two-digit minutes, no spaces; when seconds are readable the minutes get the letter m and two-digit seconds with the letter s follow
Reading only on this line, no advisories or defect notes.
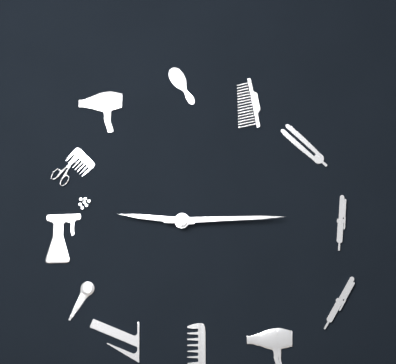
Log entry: 9h15
